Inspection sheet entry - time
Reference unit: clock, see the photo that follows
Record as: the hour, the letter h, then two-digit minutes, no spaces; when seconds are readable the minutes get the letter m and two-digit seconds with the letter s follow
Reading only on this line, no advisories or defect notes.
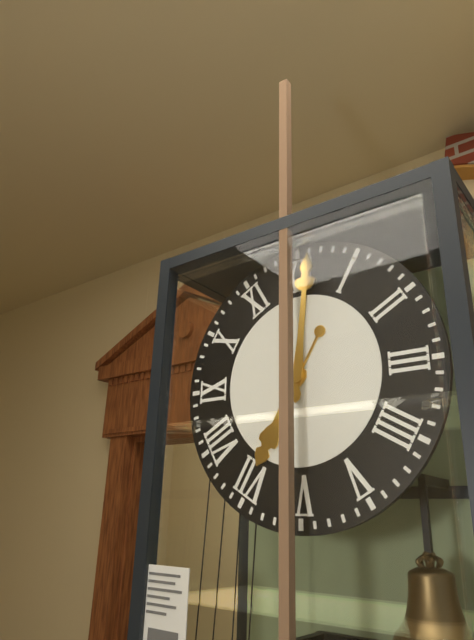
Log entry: 7h01
